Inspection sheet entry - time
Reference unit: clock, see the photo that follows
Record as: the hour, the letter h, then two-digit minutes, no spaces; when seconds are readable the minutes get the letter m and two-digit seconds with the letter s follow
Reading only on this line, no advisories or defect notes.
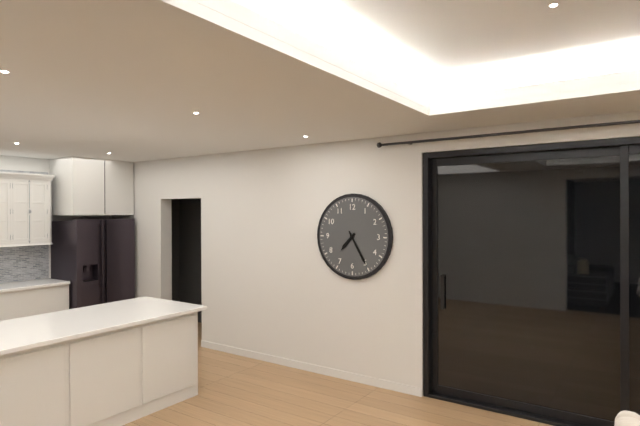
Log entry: 7h25
